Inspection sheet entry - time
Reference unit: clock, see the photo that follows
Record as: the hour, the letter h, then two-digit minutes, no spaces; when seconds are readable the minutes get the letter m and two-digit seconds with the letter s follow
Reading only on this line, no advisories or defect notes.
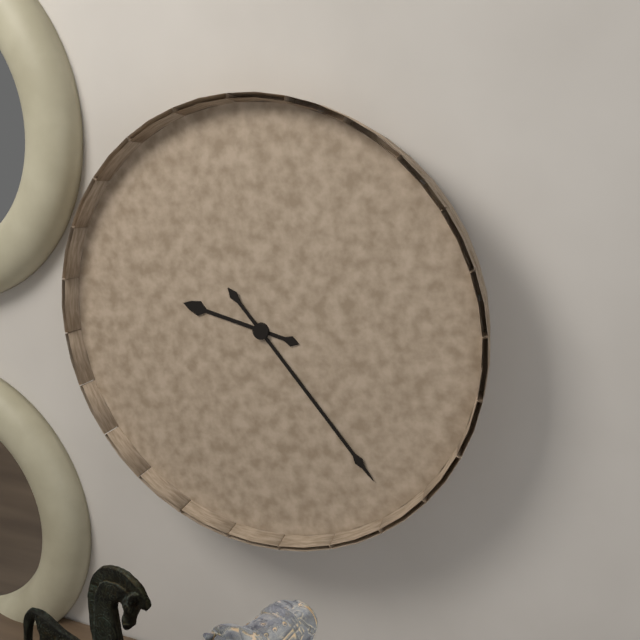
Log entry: 9h23
